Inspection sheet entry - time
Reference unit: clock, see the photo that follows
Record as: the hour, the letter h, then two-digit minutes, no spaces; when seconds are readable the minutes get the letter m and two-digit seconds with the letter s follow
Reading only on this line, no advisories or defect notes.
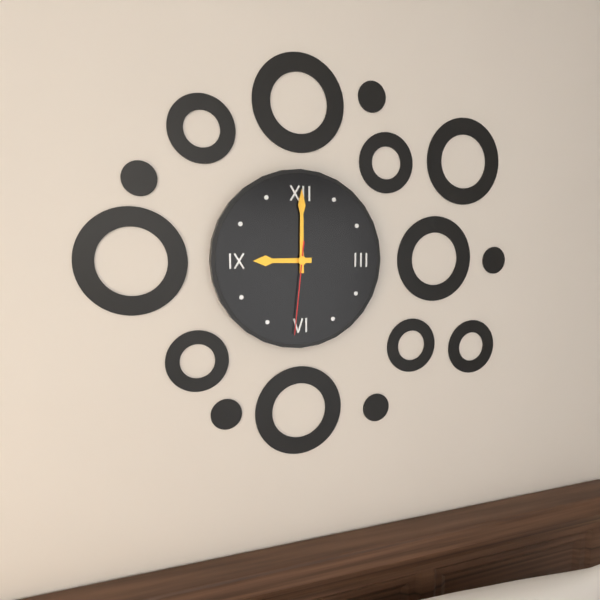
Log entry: 9h00m31s
